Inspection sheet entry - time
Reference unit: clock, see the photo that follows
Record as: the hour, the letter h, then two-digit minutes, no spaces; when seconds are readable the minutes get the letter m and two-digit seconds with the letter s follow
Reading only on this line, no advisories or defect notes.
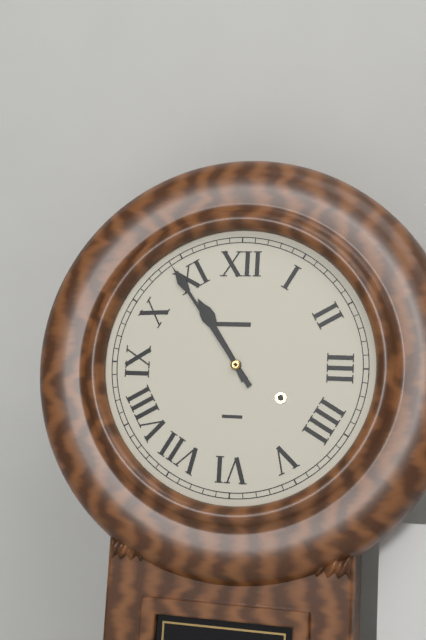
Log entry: 10h54
